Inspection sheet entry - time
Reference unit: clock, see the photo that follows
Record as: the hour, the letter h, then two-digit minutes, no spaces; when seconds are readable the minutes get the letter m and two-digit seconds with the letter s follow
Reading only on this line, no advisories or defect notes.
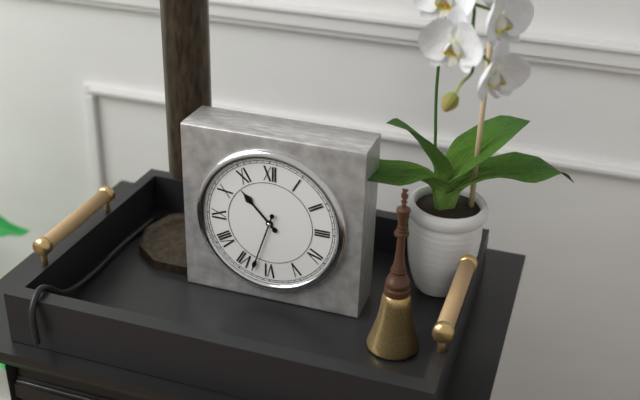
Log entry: 10h33
